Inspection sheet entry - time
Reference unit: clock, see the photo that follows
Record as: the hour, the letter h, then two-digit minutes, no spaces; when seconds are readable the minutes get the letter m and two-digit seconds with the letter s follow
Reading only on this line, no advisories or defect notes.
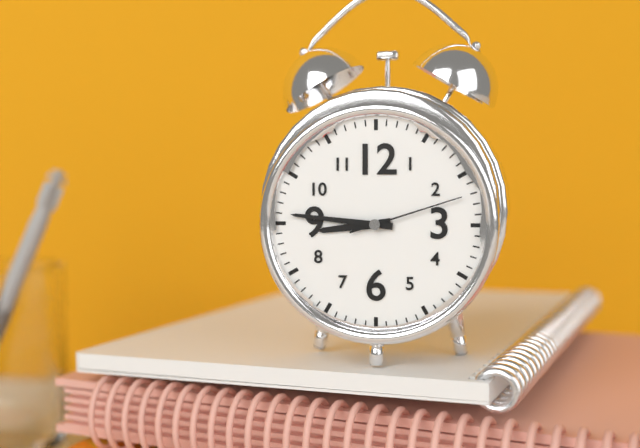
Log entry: 8h46m12s
